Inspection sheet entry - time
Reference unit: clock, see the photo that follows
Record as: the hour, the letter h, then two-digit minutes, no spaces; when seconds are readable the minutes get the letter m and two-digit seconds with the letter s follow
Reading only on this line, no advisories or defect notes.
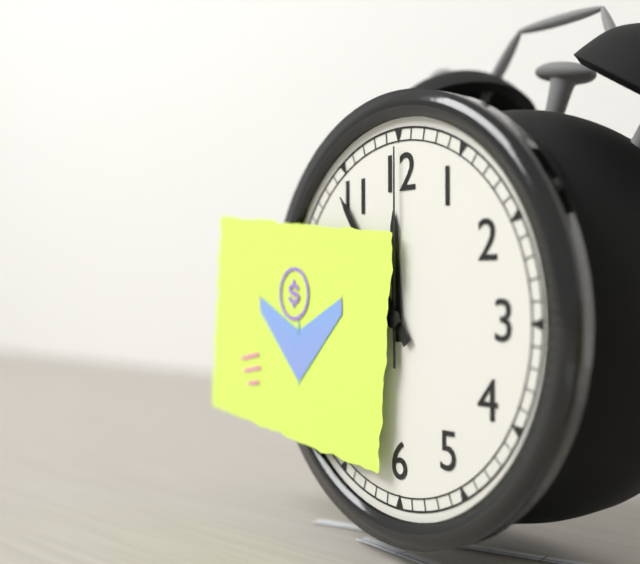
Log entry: 11h54m00s
